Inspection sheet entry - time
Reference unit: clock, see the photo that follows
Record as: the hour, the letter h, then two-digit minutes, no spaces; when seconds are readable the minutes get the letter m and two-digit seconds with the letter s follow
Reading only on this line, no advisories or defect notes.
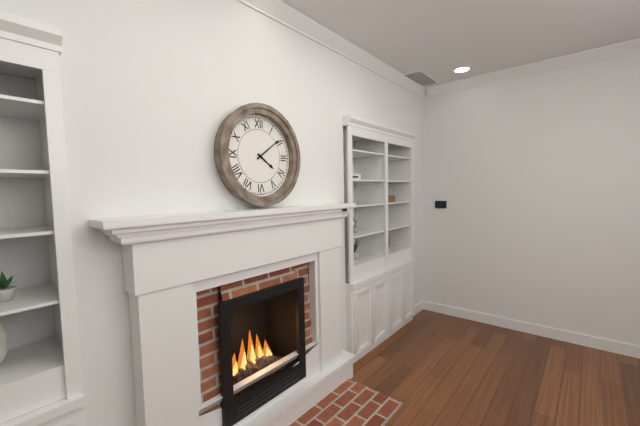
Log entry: 4h09
